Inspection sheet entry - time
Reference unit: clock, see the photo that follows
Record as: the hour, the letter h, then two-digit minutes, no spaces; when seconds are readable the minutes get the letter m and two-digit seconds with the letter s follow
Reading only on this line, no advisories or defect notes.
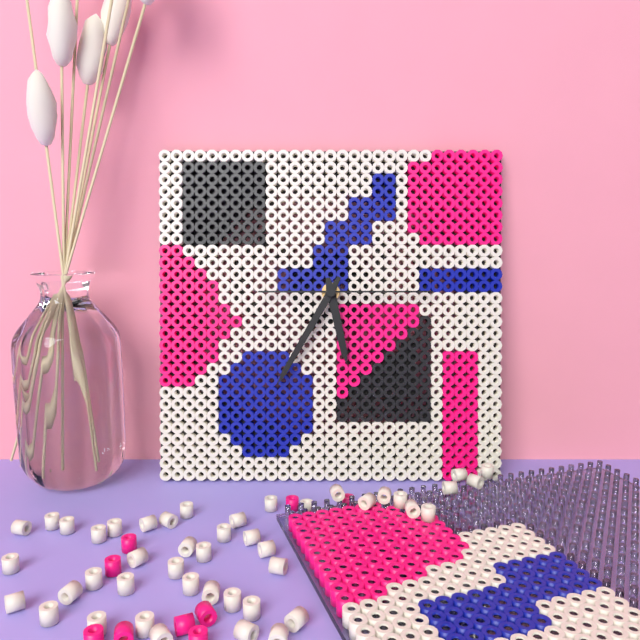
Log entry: 5h35m15s
